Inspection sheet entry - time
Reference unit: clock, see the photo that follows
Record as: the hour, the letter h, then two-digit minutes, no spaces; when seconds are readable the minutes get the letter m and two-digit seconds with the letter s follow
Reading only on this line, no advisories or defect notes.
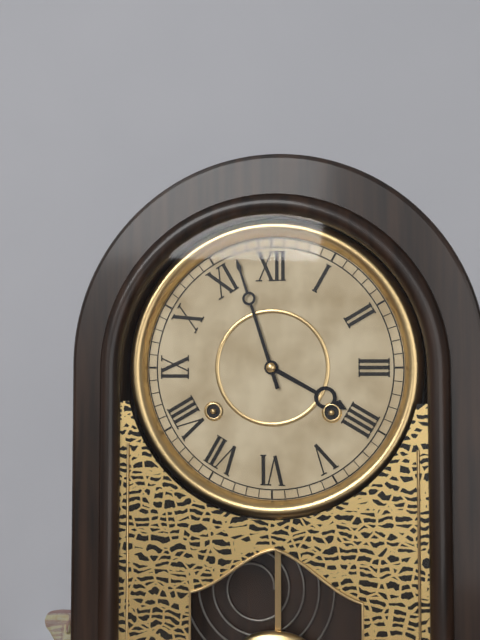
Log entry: 3h57
